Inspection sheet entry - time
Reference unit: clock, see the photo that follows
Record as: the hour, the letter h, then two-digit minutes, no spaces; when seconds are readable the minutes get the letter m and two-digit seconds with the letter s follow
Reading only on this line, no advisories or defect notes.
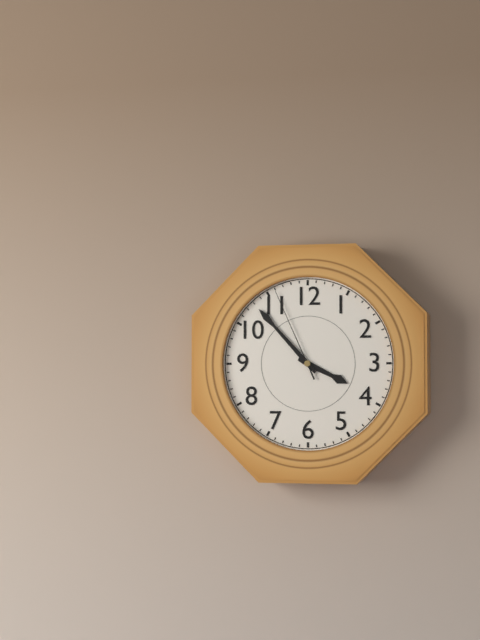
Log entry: 3h53m56s
